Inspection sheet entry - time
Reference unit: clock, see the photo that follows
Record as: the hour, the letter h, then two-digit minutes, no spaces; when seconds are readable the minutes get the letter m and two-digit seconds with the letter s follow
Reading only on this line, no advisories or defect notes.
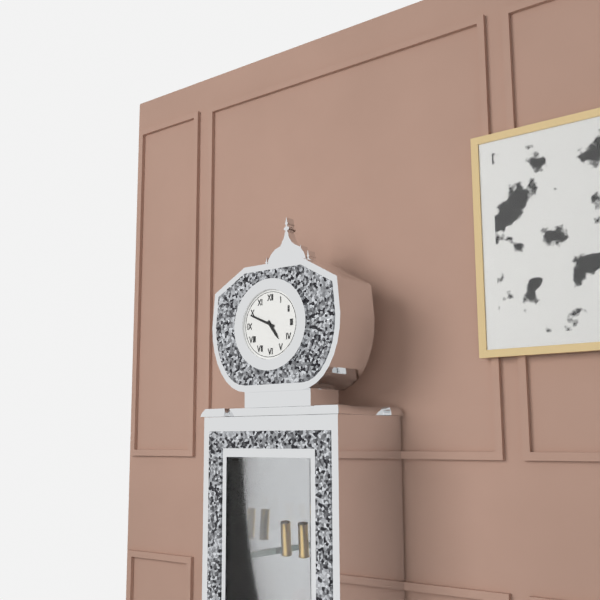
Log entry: 4h49
